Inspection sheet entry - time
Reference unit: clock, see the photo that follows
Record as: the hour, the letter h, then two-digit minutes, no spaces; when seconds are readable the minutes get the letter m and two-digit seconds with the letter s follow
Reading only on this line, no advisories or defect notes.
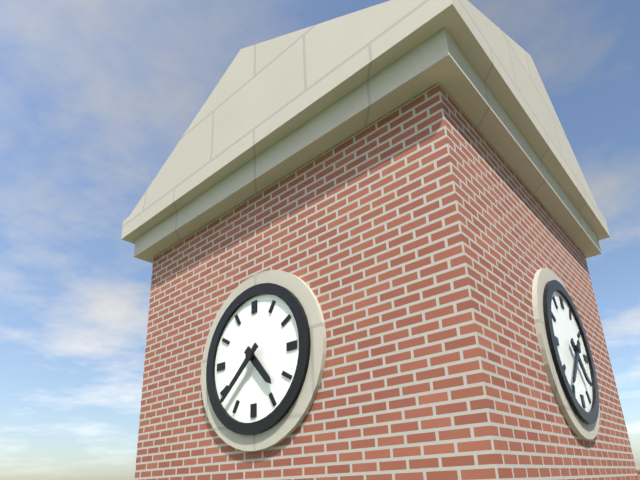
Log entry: 4h38
